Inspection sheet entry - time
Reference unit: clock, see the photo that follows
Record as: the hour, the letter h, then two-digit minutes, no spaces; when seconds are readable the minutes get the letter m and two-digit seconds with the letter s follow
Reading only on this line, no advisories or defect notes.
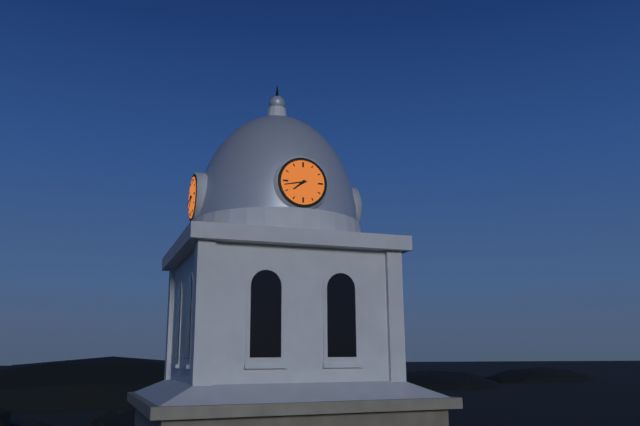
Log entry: 7h43
